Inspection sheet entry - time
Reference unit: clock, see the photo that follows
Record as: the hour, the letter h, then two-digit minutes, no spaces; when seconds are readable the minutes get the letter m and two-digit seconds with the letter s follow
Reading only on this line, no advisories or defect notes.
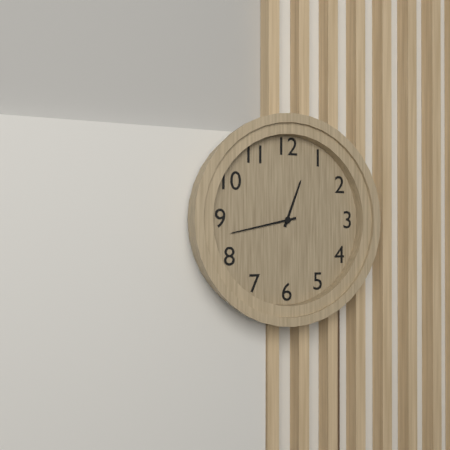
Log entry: 12h43
